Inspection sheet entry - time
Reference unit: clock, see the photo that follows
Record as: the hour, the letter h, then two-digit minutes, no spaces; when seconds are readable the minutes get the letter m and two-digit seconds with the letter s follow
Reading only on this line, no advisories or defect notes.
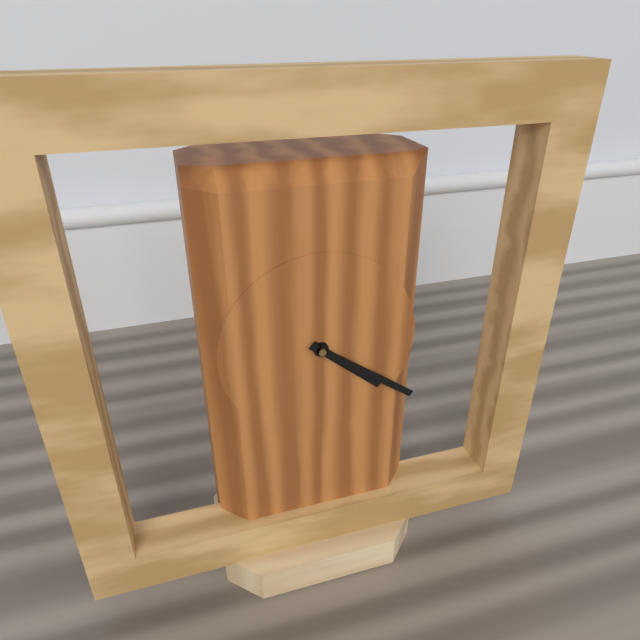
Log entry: 4h21
